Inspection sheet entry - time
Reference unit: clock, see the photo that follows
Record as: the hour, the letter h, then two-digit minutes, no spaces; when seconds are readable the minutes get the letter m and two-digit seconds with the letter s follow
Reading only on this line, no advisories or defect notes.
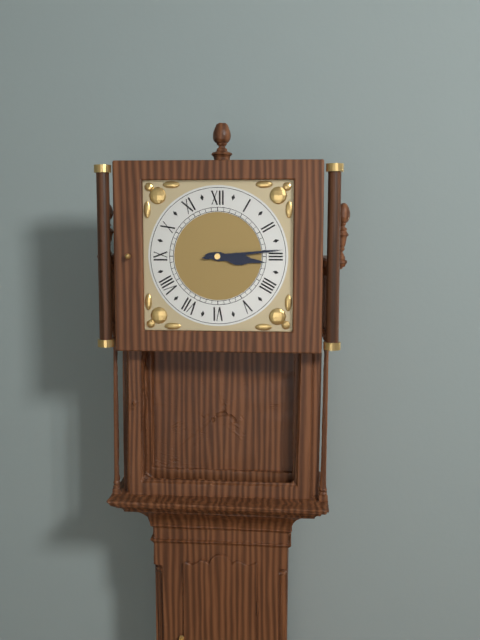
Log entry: 3h14
